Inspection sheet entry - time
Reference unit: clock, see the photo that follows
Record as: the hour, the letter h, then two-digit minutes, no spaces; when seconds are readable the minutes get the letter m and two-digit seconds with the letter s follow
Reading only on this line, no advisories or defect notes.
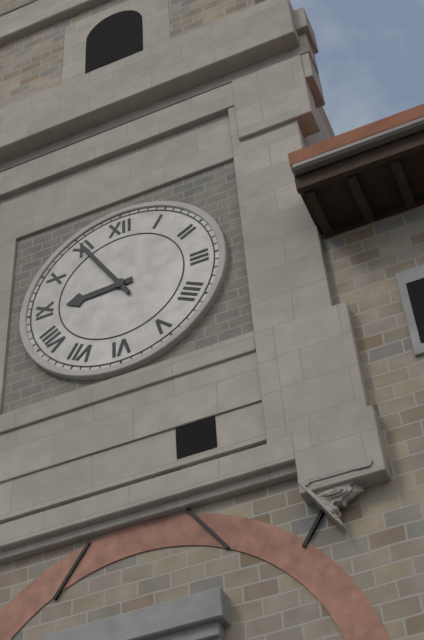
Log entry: 8h55
